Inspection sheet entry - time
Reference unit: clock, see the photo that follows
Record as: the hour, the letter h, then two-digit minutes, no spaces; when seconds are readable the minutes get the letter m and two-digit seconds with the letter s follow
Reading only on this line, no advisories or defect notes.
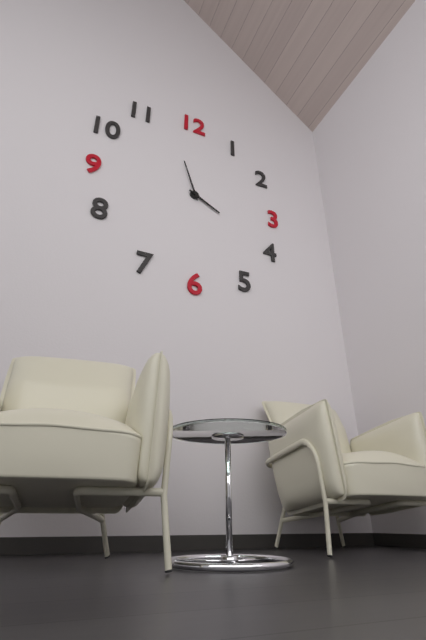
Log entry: 3h57
